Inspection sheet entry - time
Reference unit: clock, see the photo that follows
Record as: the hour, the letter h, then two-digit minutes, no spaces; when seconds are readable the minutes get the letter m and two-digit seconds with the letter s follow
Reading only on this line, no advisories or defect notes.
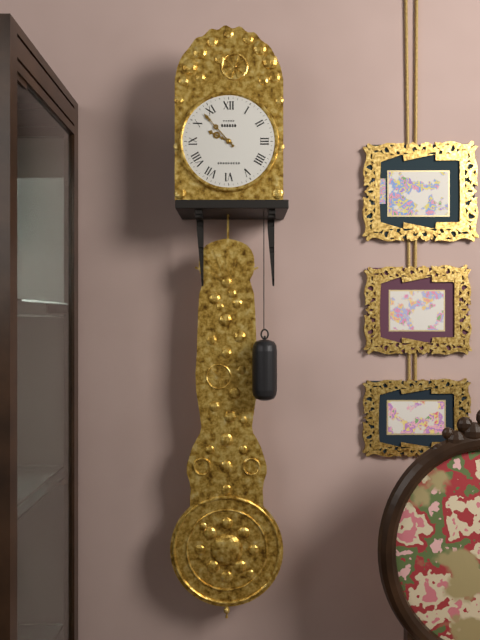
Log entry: 9h53
